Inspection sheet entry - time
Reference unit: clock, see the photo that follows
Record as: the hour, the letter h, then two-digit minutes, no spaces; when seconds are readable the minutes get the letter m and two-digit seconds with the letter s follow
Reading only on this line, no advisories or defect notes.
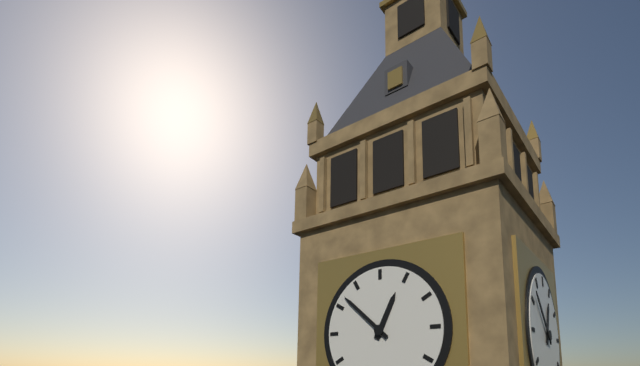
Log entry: 12h52
